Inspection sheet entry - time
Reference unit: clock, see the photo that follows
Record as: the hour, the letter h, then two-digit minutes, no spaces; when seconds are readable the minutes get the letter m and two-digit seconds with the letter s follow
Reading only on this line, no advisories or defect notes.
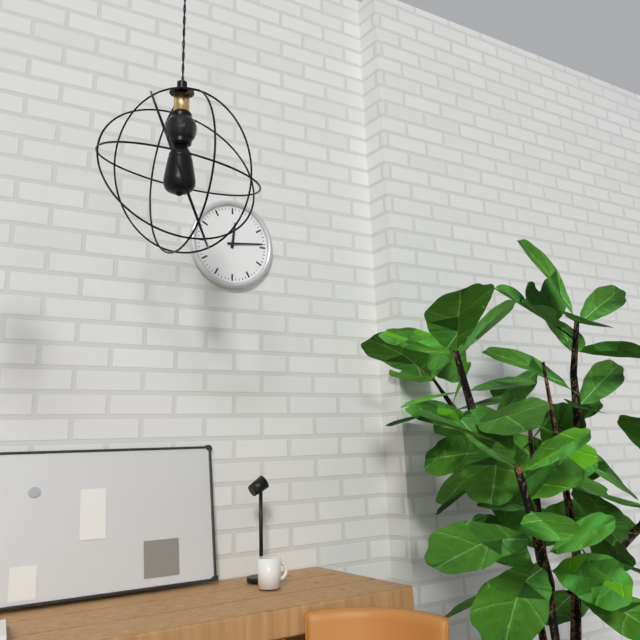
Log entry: 12h14
